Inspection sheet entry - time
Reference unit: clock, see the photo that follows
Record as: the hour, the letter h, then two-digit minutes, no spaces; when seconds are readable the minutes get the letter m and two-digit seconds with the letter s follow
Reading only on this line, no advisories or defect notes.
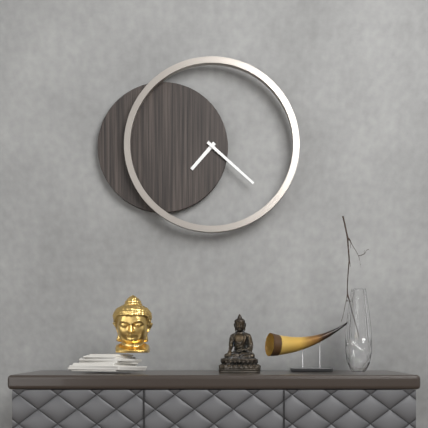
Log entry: 7h22
